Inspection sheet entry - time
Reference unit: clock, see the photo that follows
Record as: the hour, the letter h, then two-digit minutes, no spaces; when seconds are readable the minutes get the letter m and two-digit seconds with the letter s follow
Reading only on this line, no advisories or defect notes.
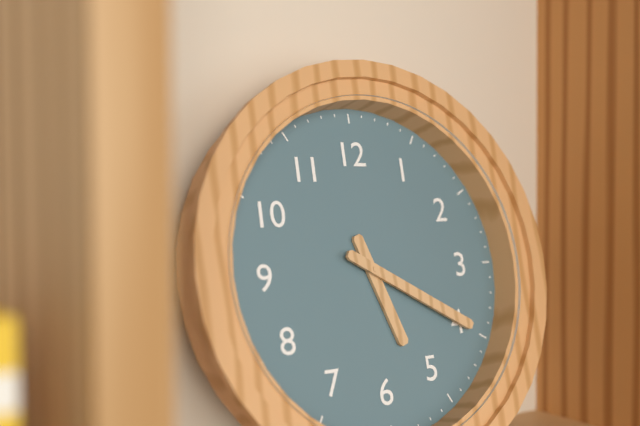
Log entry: 5h20
